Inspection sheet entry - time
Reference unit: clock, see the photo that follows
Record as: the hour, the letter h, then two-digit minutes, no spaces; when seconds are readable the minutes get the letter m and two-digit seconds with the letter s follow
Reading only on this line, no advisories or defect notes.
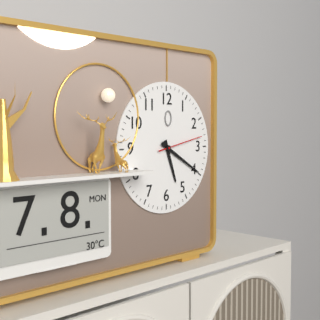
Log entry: 5h20
